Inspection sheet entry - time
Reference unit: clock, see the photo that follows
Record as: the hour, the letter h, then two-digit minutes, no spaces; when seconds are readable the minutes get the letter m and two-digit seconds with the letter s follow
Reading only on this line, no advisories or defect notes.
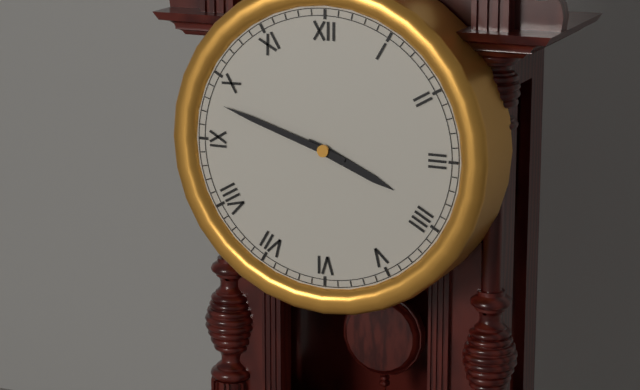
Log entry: 3h48
